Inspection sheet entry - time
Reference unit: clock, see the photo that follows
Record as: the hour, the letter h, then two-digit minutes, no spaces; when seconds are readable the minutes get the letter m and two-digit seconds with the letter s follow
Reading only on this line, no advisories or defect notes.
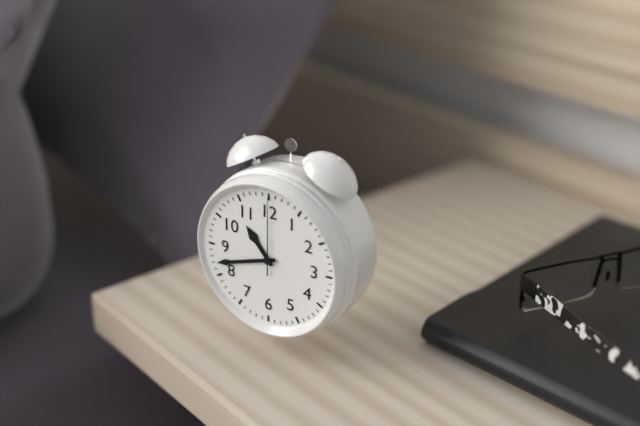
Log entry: 10h42m00s
